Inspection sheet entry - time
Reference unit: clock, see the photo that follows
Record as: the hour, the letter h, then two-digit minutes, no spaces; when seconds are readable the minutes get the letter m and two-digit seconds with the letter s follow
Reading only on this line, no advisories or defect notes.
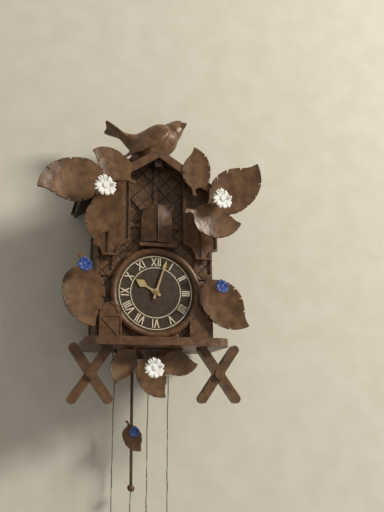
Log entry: 10h03
